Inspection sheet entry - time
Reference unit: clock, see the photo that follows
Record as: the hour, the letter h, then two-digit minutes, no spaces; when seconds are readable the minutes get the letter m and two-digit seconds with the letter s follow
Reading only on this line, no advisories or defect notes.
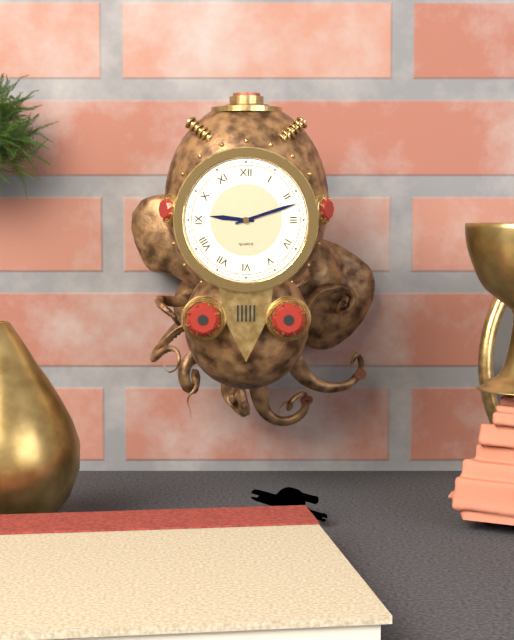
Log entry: 9h12
